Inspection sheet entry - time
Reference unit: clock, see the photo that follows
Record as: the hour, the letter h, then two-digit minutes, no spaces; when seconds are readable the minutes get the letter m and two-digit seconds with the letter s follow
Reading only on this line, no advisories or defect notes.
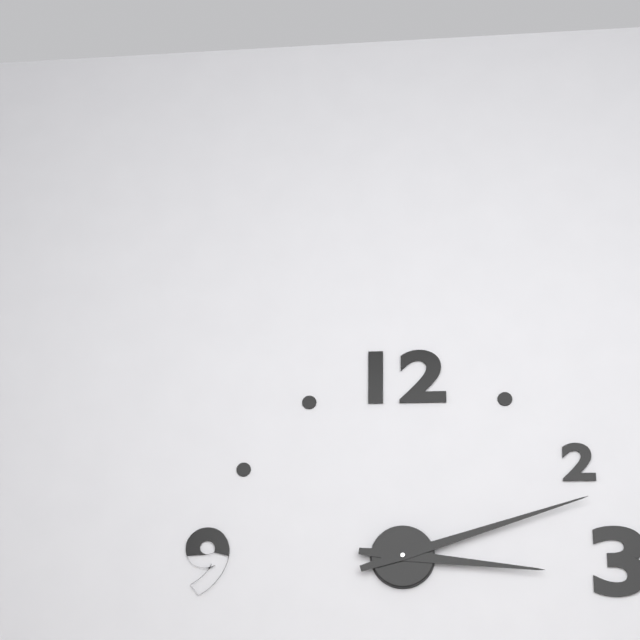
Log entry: 3h12
